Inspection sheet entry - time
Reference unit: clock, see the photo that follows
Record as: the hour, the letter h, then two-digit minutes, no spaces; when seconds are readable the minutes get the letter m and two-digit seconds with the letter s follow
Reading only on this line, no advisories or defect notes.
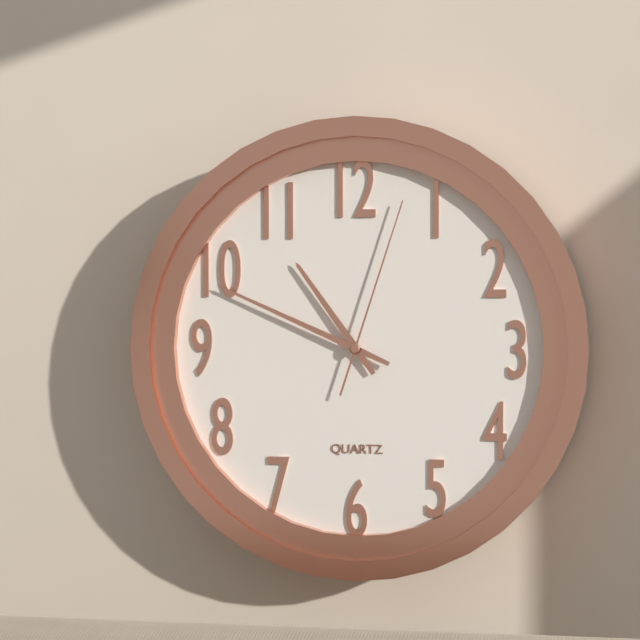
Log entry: 10h49m03s
